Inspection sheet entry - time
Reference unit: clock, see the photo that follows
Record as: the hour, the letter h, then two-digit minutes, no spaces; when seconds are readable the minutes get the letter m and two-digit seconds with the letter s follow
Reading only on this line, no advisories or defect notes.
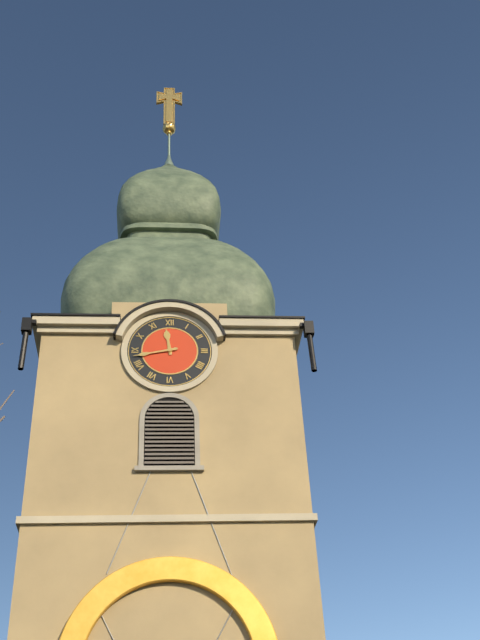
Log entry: 11h43
